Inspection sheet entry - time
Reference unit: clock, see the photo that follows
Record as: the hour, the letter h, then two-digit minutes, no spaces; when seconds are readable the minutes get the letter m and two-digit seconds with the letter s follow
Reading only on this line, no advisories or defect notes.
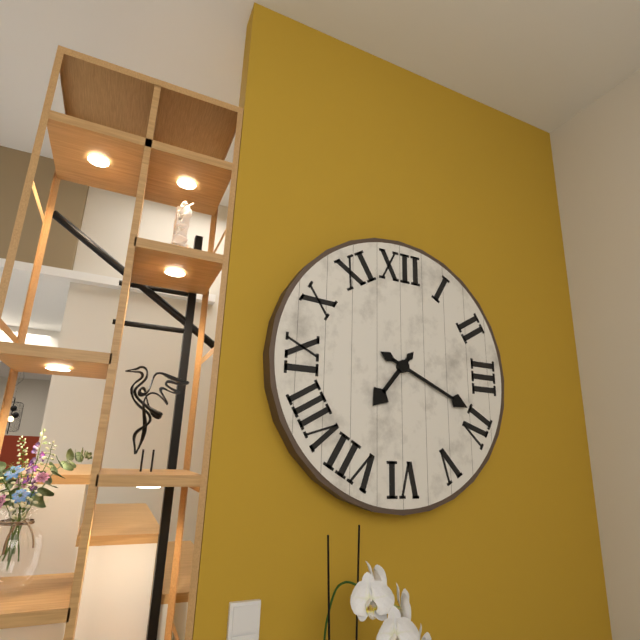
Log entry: 7h19
